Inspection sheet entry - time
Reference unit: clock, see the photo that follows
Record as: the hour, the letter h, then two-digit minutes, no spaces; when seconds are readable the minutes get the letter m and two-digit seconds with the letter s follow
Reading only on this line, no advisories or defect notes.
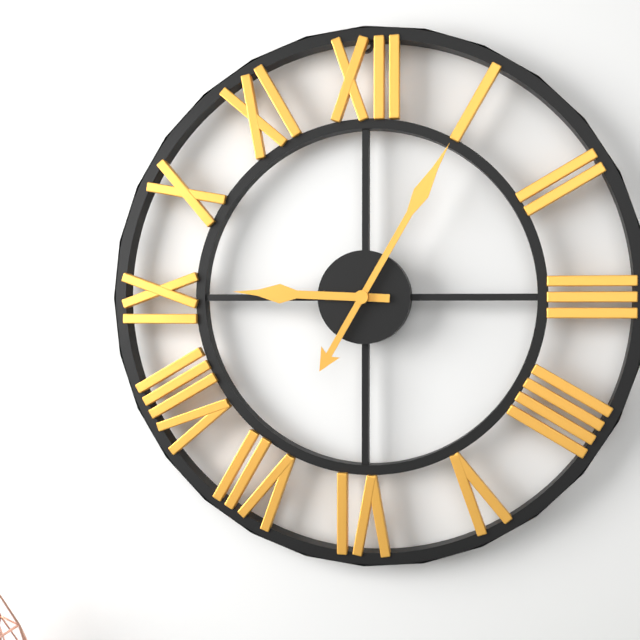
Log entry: 9h05
